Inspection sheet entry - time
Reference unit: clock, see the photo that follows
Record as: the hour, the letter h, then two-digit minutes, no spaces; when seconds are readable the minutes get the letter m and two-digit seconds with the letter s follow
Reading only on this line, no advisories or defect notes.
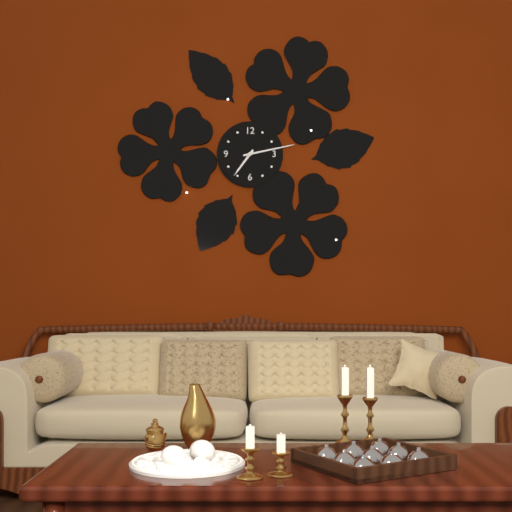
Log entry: 7h13
